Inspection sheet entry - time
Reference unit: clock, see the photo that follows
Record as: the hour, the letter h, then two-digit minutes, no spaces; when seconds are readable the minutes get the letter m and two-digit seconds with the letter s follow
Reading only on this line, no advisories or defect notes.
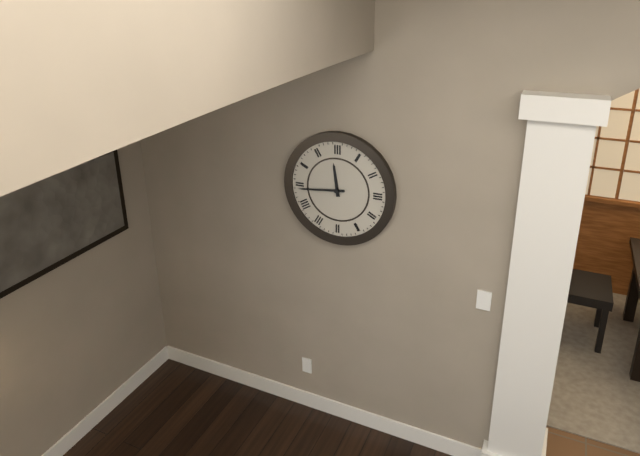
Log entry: 11h44
